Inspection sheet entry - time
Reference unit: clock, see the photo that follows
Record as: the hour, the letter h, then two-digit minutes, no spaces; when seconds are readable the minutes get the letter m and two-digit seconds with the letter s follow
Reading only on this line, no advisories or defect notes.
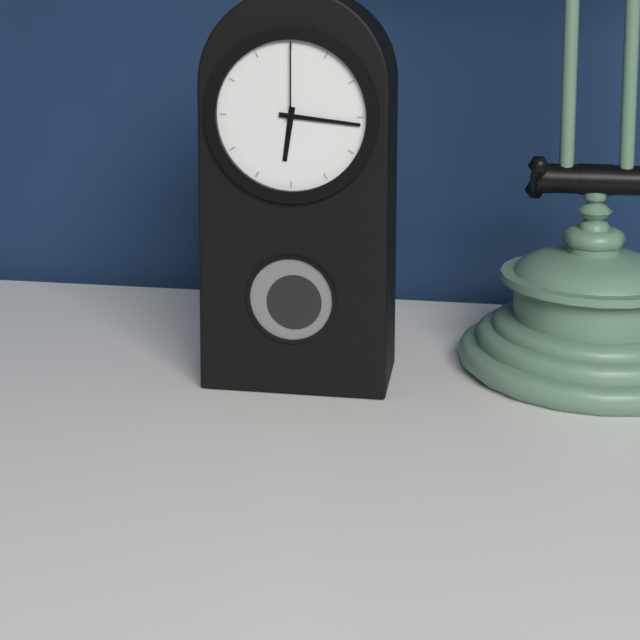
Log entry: 6h16m00s
